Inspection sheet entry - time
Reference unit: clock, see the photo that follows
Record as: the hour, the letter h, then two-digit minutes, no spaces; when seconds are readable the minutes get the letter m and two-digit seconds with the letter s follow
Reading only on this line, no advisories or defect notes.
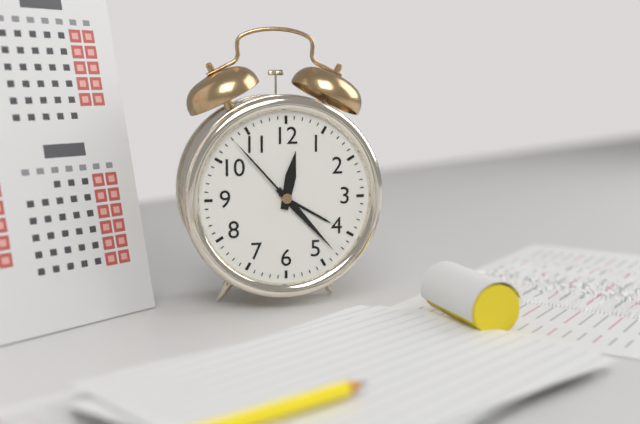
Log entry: 12h23m53s
